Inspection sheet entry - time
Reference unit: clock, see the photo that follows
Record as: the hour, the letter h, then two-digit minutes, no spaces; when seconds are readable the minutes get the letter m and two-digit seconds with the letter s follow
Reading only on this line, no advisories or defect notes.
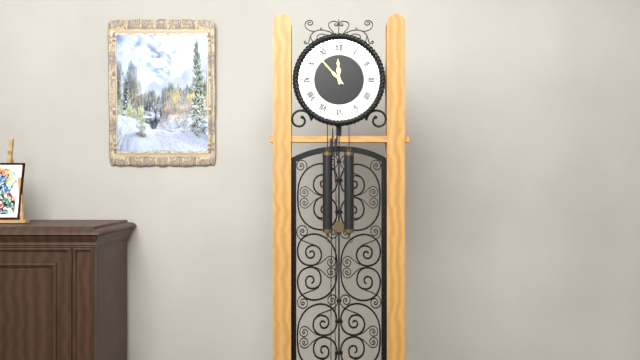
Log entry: 11h53
